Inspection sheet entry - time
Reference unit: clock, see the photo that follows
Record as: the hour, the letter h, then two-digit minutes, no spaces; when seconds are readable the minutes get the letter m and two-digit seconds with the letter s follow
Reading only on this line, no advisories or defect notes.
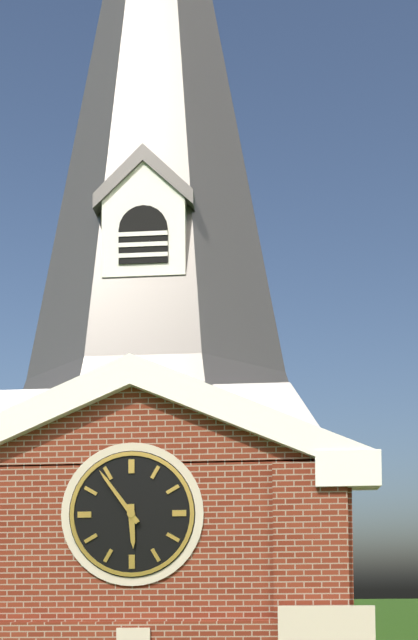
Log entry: 5h54
